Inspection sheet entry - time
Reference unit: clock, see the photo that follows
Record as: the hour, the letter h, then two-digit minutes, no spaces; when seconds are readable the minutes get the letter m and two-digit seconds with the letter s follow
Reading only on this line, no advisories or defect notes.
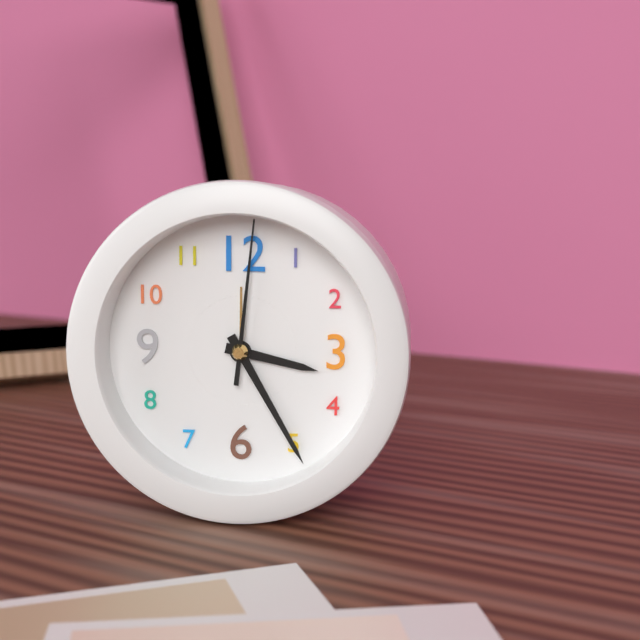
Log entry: 3h25m01s
